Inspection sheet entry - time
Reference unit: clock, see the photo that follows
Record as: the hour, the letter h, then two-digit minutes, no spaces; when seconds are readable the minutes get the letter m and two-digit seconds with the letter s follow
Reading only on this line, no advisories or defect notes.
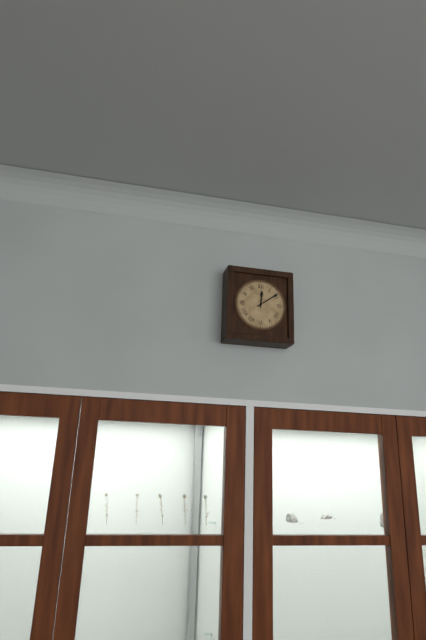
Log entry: 12h09
